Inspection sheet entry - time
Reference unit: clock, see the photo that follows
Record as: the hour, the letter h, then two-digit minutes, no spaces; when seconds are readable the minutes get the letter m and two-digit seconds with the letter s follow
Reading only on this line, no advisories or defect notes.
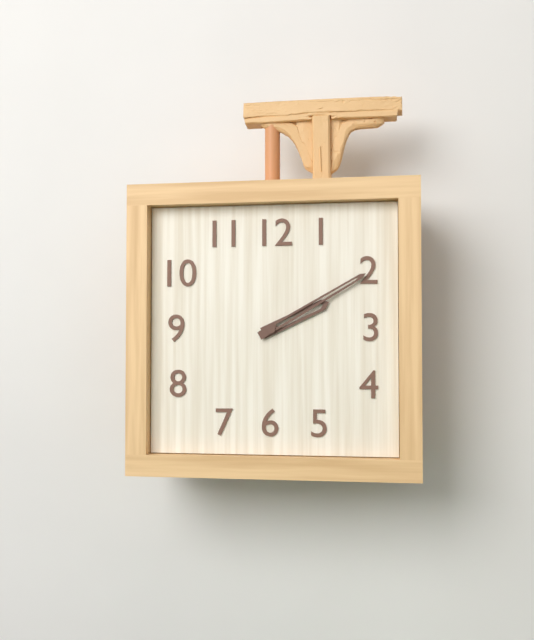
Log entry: 2h10
